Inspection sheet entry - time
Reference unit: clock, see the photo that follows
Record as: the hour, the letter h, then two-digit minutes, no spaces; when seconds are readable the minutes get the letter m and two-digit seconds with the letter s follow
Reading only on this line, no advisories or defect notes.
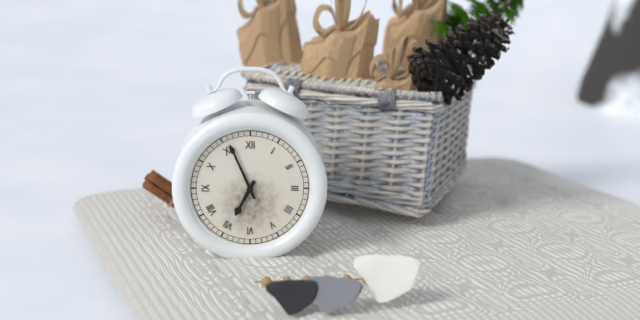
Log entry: 6h56
